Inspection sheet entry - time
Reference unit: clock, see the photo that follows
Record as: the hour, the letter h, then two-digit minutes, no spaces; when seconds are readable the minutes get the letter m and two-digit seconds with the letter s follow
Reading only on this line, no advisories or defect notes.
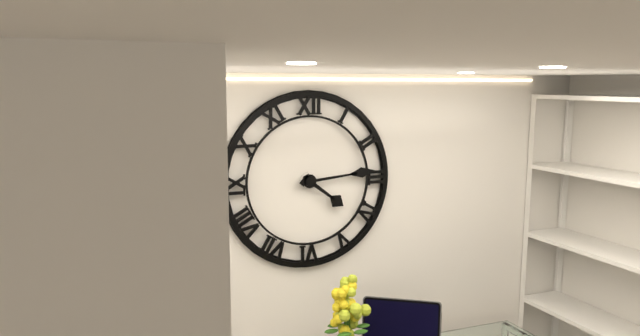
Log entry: 4h14
